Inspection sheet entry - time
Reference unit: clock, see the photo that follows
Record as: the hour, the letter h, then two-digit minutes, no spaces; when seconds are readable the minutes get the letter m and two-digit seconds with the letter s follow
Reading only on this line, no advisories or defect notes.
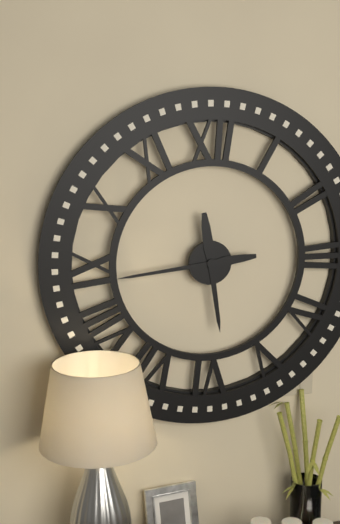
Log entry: 5h44
